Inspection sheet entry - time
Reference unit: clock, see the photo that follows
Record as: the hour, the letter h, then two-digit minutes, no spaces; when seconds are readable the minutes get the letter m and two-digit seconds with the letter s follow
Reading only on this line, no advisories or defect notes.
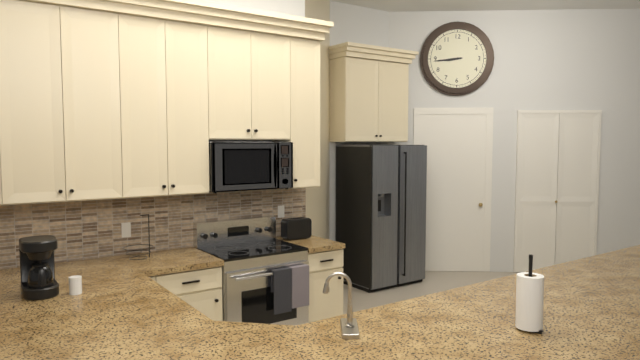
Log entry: 8h44
